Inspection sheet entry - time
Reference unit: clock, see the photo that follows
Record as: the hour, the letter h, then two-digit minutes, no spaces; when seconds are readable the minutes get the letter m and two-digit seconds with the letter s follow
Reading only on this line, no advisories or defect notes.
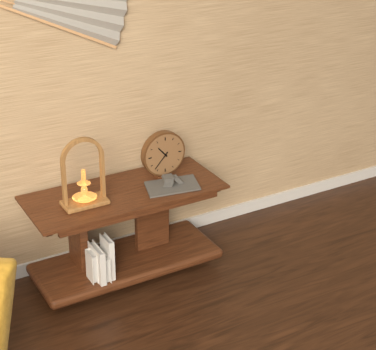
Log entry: 10h37
